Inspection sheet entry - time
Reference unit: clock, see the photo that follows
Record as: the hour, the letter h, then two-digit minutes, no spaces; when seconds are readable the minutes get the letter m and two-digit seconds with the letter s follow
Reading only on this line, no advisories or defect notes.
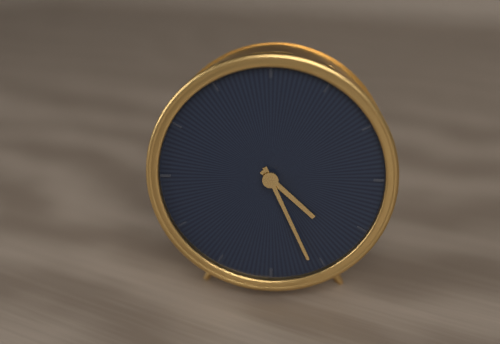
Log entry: 4h26
